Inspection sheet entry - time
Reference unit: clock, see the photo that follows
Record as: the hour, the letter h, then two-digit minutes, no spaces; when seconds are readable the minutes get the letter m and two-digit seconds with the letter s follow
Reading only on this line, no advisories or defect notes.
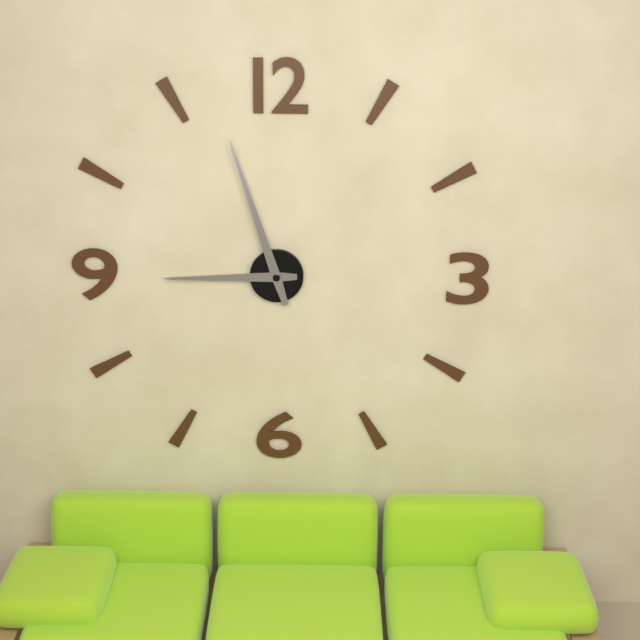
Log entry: 8h57
